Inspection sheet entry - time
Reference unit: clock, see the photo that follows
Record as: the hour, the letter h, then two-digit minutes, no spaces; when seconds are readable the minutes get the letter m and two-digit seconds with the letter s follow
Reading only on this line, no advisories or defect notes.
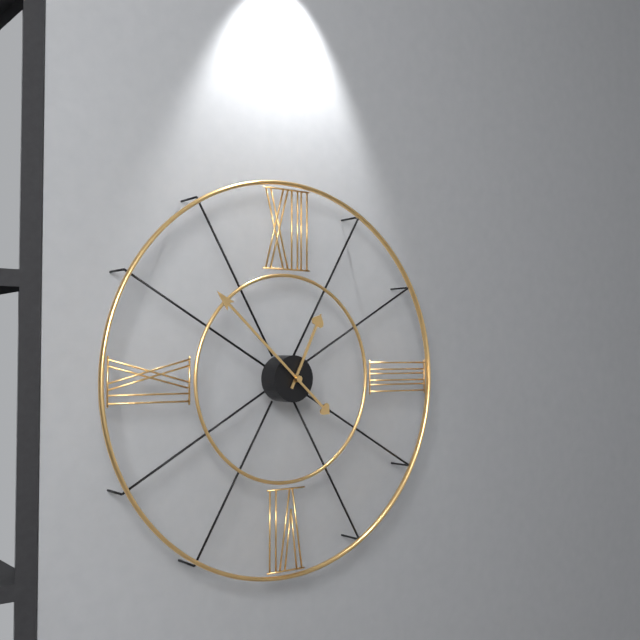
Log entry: 12h52
